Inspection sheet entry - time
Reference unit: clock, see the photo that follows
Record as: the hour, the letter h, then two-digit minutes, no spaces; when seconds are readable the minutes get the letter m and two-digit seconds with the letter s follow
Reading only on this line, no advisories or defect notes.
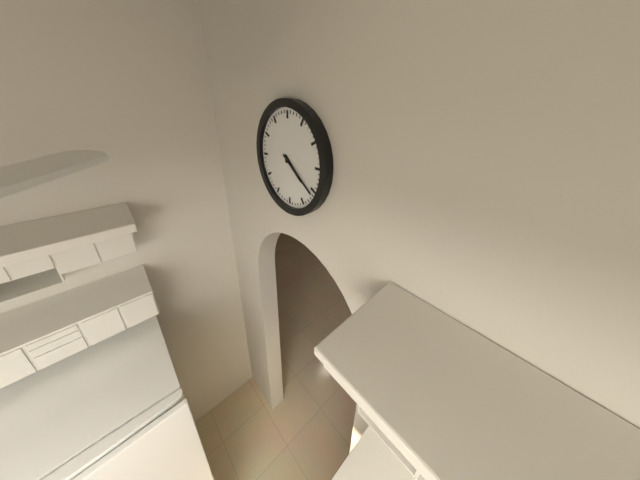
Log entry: 4h21
